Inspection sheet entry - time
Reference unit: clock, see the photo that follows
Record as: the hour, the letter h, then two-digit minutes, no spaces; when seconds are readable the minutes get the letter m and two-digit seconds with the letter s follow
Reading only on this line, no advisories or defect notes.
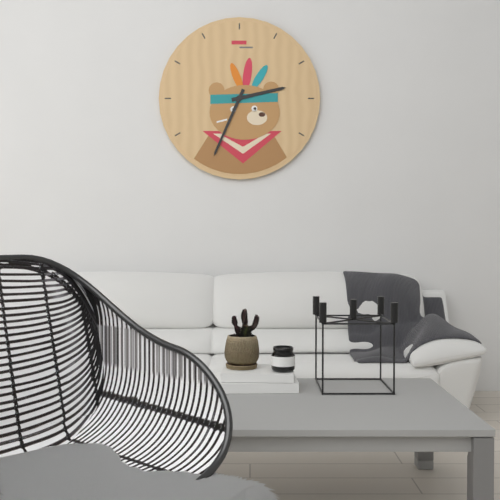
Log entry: 2h34
